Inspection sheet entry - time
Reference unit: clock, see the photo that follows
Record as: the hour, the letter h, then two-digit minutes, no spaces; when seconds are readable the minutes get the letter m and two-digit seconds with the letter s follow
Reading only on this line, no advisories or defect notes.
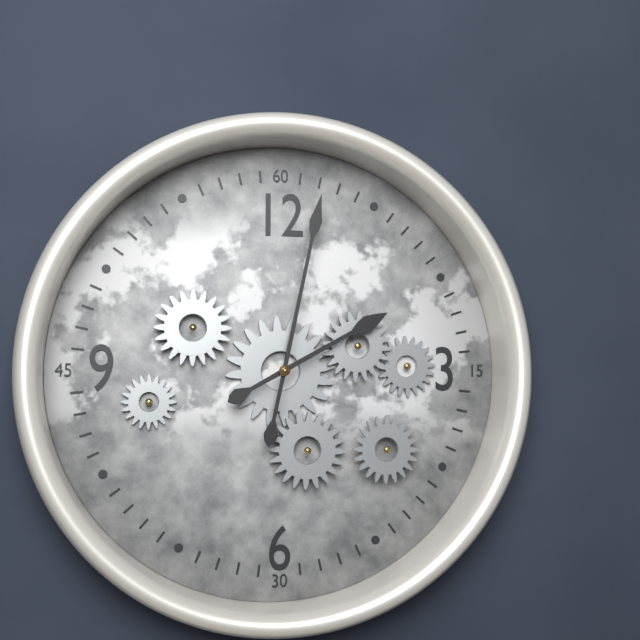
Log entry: 2h02
